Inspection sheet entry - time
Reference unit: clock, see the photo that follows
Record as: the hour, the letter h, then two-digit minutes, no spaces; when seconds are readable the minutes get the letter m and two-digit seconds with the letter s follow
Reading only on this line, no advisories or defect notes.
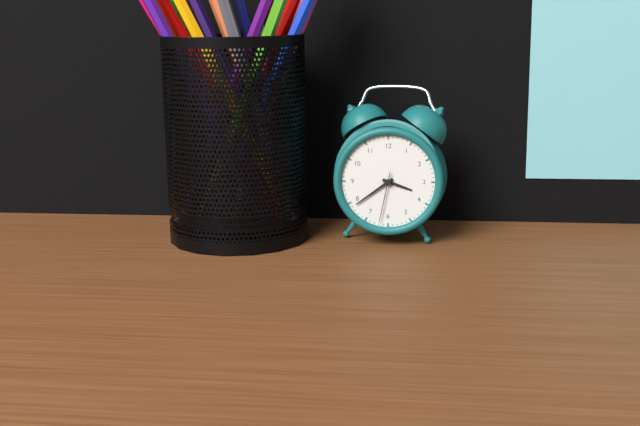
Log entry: 3h39m32s
